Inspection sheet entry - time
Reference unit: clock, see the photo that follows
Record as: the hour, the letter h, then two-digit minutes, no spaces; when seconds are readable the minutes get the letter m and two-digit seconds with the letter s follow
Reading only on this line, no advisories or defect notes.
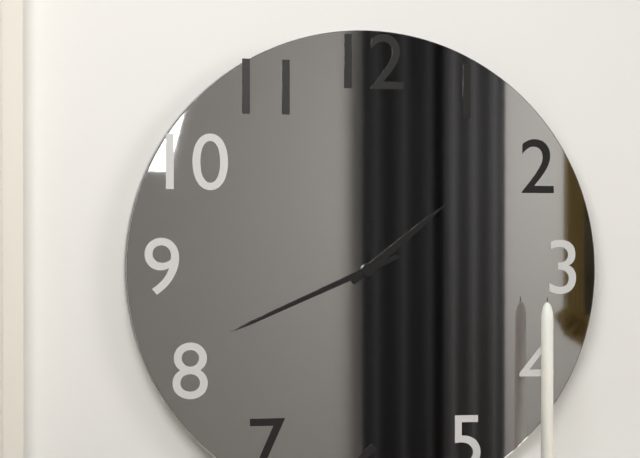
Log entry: 1h41
